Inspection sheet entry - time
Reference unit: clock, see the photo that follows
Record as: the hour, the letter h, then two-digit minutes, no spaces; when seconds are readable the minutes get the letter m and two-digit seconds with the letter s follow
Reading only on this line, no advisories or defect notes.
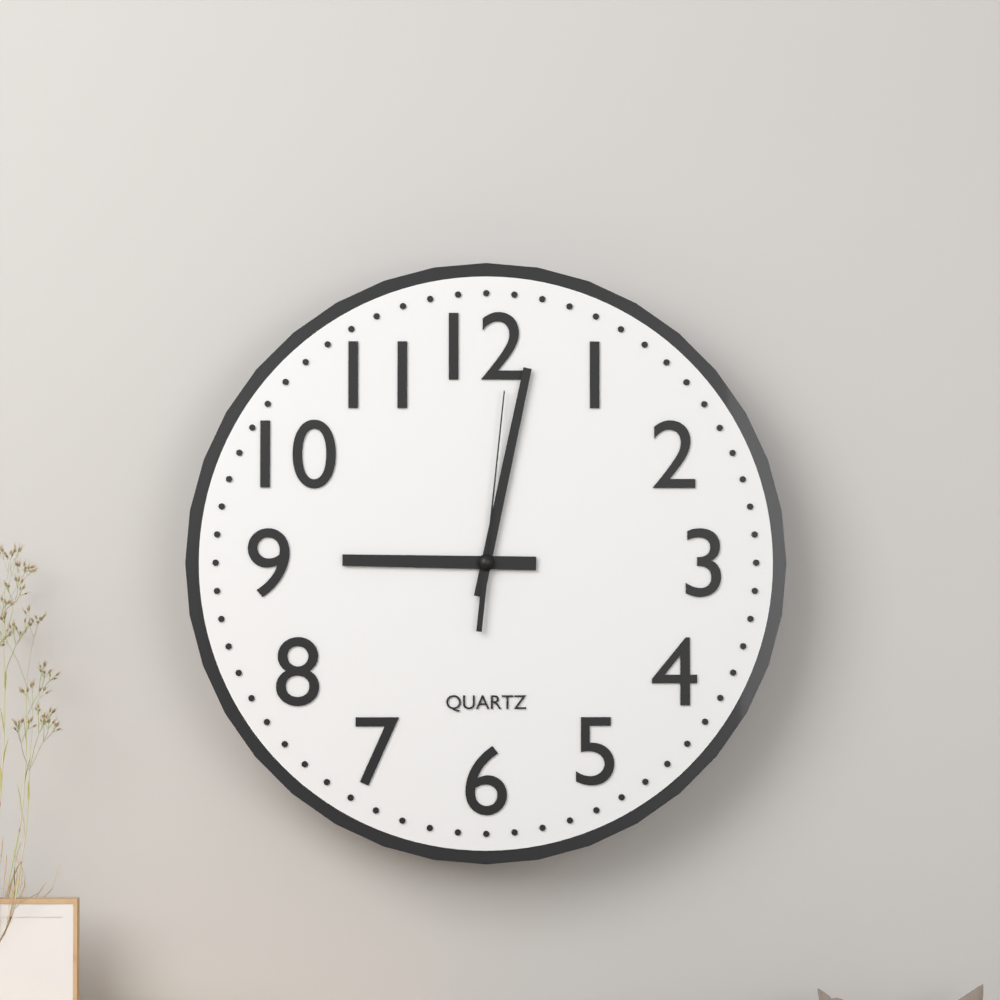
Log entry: 9h02m01s
